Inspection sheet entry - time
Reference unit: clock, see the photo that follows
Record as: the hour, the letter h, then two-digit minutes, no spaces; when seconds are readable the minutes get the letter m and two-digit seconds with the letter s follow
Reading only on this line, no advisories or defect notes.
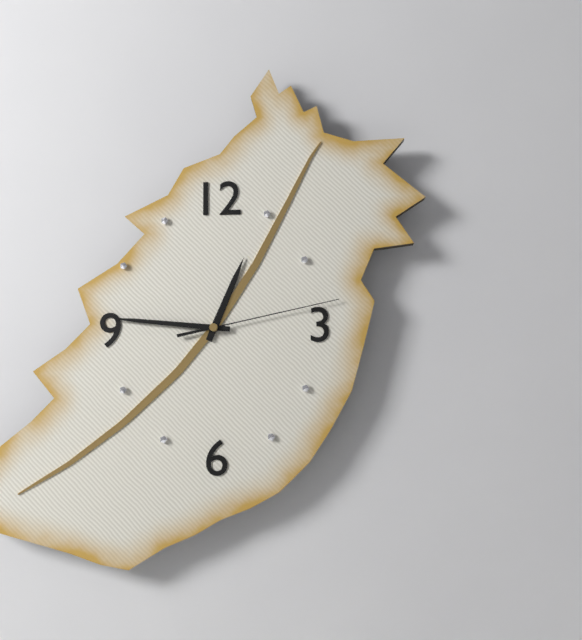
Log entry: 12h46m13s
